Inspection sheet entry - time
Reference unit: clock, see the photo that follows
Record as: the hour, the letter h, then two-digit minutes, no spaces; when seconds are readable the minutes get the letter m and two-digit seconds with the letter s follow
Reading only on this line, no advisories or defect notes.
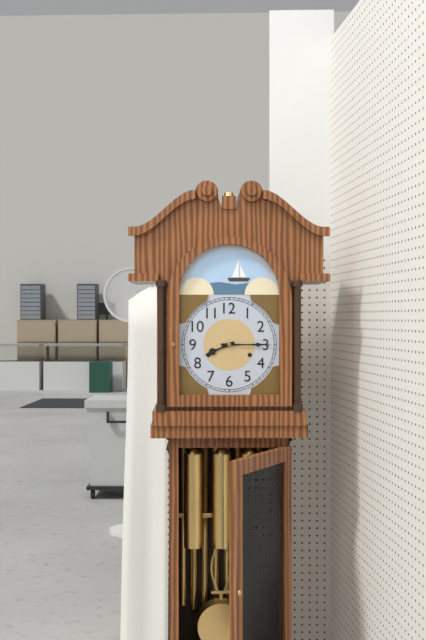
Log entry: 8h15
